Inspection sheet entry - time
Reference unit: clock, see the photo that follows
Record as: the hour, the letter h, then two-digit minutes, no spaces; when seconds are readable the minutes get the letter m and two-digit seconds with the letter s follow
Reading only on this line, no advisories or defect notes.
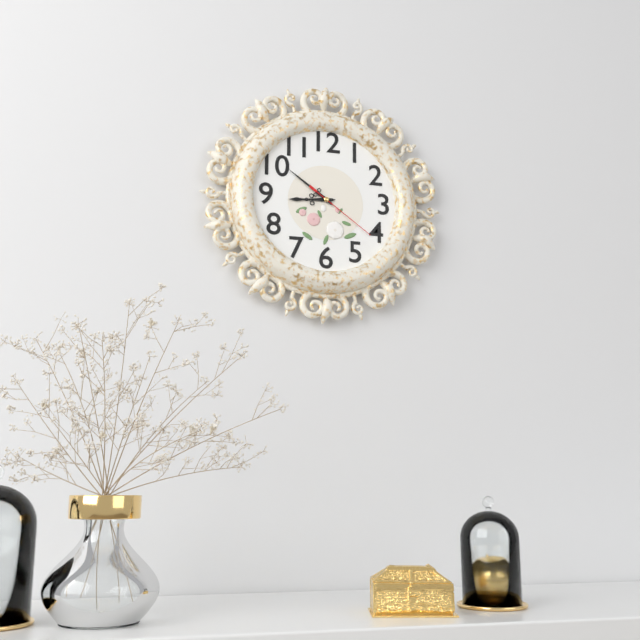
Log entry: 8h51m21s
